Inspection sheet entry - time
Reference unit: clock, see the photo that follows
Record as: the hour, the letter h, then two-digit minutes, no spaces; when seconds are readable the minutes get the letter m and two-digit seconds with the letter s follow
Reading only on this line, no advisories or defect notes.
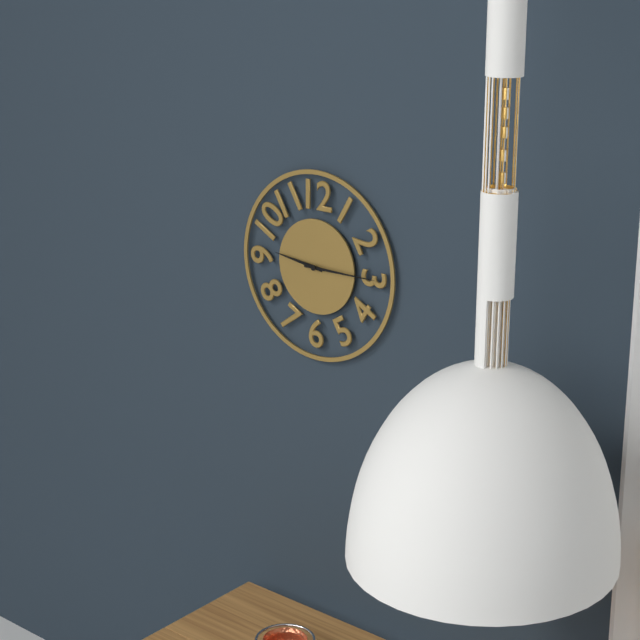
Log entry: 9h15
